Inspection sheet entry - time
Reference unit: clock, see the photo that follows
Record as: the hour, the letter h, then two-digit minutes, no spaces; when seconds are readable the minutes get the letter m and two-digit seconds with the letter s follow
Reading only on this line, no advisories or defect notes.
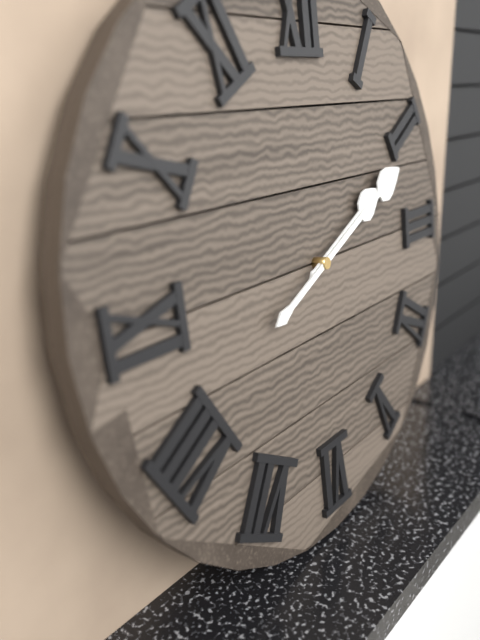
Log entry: 2h11
